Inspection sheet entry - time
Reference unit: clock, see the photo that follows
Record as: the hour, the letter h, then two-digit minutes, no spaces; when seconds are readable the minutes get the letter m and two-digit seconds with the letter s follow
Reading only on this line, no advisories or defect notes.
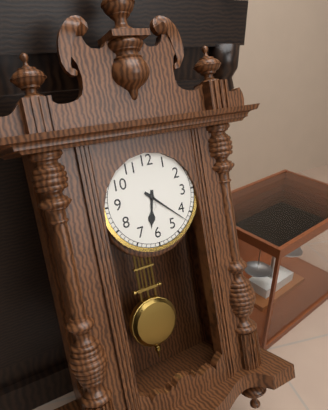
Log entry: 6h22
